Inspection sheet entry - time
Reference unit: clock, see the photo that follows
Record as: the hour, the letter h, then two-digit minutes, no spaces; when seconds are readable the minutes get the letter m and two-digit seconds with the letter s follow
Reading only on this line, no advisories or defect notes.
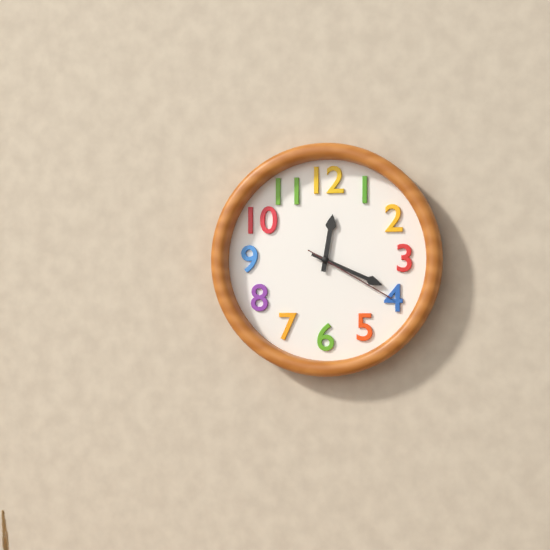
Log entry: 12h19m20s
